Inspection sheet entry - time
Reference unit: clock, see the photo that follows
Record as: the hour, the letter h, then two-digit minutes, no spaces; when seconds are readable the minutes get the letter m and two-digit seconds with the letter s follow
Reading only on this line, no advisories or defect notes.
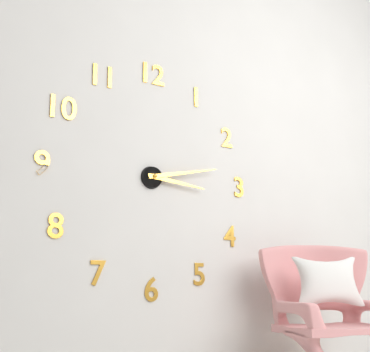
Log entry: 3h13
